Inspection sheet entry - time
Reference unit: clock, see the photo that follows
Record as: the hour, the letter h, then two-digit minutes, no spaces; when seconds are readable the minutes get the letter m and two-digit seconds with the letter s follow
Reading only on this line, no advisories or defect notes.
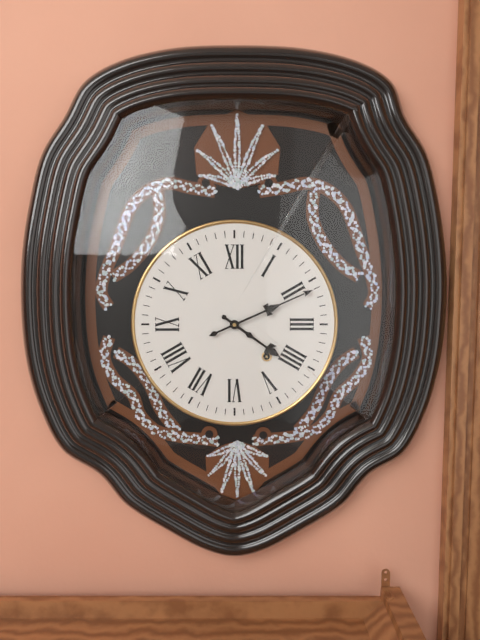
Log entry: 4h11
